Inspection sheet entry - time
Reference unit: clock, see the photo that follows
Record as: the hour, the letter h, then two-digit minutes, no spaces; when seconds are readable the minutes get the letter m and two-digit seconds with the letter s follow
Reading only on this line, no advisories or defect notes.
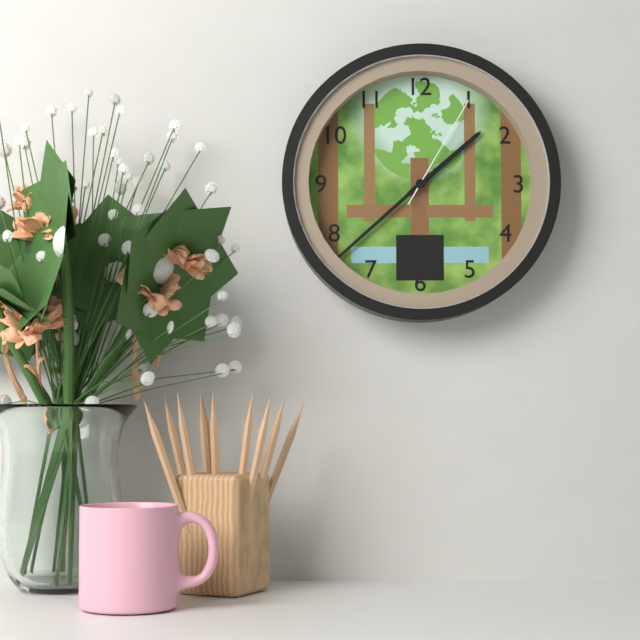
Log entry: 1h38m05s
